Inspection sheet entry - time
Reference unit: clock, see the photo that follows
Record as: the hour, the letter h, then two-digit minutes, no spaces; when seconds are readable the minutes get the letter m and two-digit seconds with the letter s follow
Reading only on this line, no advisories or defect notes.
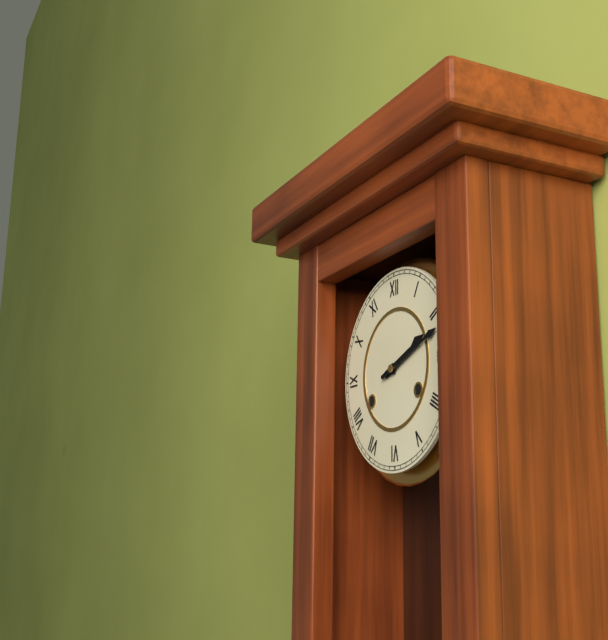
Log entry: 2h12
